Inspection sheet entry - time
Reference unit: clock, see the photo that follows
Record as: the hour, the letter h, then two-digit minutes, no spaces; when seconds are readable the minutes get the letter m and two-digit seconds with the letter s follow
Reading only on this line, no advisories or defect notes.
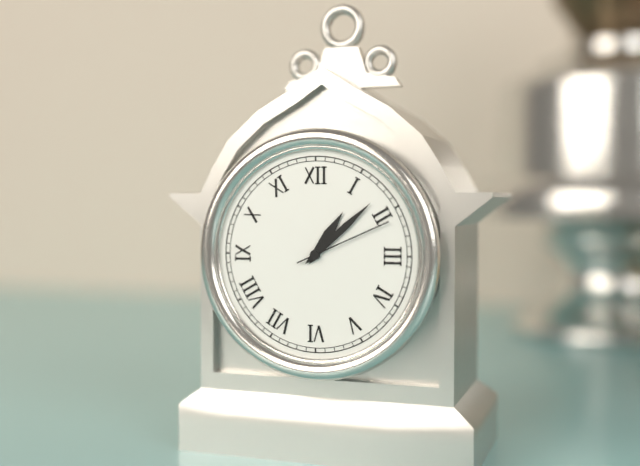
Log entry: 1h08m11s
